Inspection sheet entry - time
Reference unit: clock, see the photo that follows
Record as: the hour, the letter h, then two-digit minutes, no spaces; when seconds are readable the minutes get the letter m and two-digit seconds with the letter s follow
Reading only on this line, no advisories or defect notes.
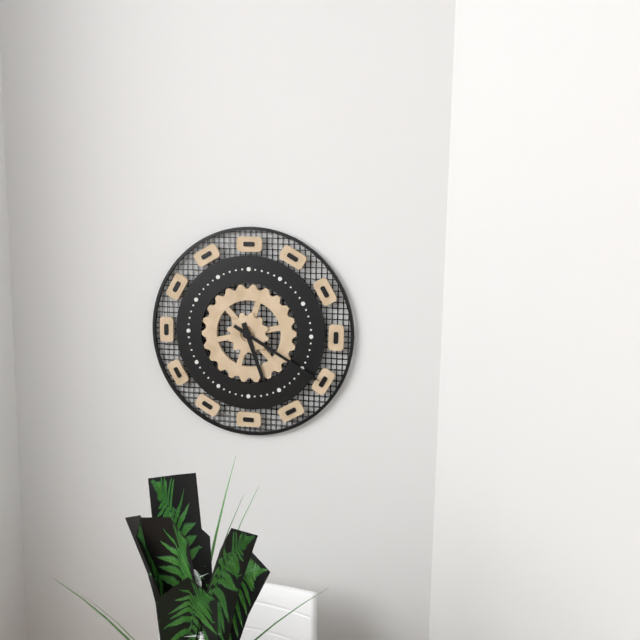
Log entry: 5h20
